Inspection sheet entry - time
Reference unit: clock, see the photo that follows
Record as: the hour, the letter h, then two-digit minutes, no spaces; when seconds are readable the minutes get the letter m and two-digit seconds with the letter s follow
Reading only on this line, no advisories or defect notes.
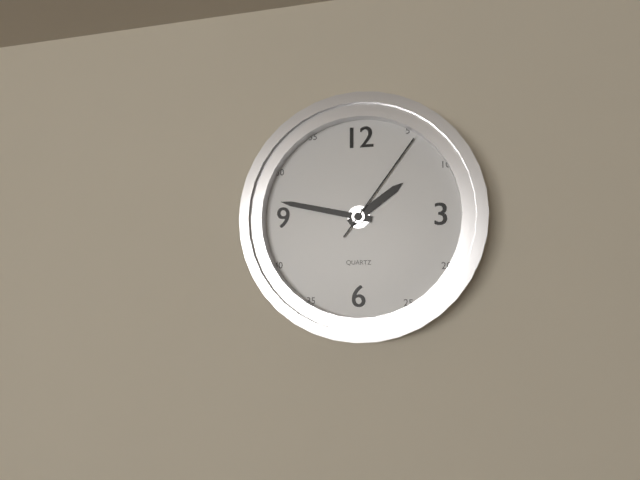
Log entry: 1h47m06s
